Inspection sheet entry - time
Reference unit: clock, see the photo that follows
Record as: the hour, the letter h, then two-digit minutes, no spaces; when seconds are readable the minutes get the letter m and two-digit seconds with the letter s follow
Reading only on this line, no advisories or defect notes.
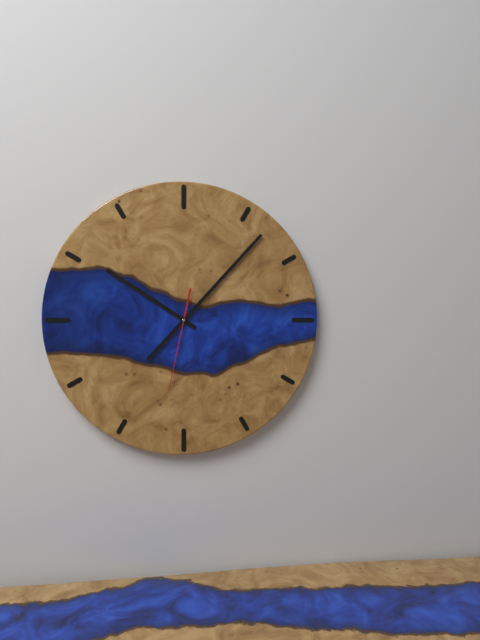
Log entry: 10h07m32s
